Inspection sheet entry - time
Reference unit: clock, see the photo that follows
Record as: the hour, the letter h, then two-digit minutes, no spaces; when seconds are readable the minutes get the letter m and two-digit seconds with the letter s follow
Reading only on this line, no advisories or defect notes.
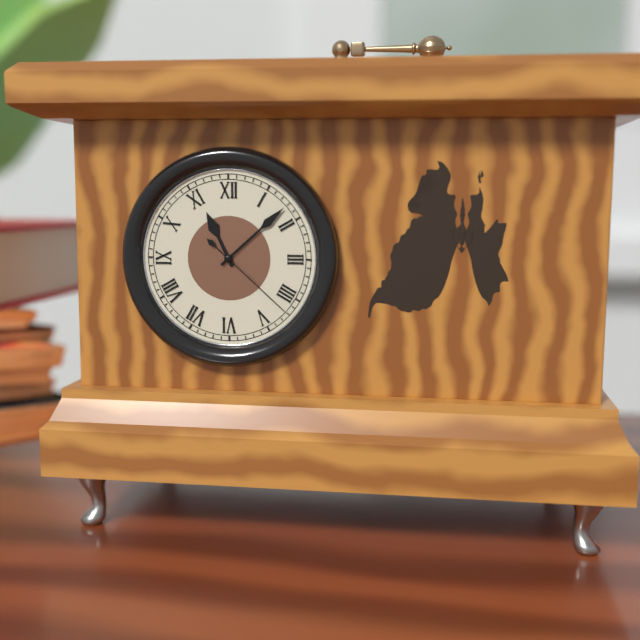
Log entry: 11h08m22s
